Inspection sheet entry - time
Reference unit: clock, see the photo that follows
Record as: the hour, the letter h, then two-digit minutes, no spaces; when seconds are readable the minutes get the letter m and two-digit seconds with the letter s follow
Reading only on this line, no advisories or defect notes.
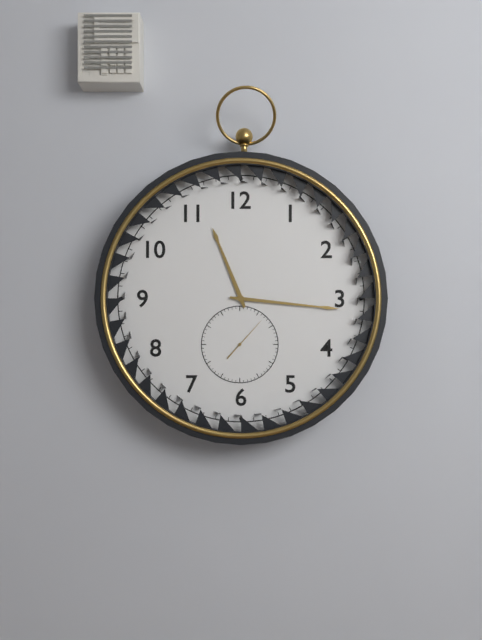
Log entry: 11h16
